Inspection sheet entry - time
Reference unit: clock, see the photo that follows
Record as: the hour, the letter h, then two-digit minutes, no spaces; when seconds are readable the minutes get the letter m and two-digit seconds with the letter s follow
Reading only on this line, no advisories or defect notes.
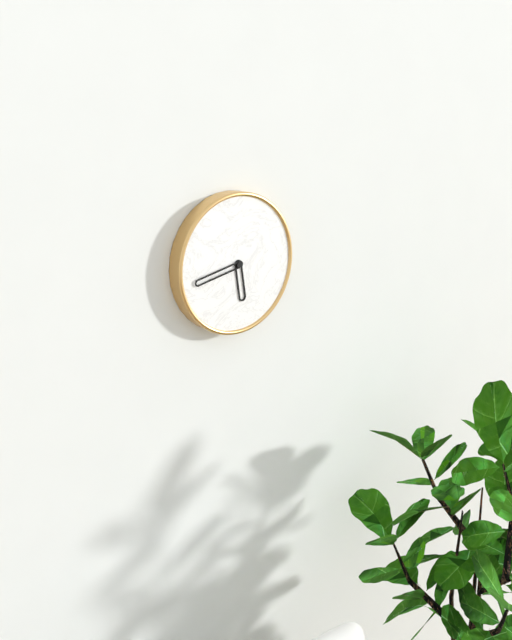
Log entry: 5h43
